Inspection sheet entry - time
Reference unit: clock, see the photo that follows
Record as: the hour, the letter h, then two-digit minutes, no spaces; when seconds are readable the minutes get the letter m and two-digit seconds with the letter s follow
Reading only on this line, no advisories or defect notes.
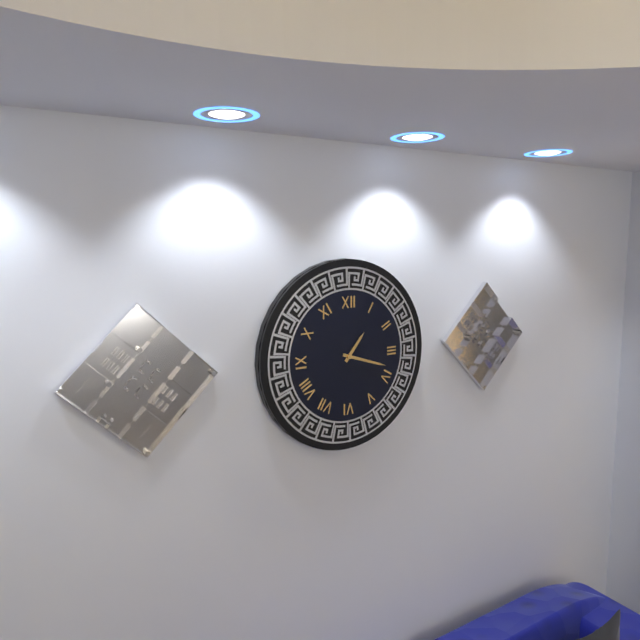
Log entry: 1h18
